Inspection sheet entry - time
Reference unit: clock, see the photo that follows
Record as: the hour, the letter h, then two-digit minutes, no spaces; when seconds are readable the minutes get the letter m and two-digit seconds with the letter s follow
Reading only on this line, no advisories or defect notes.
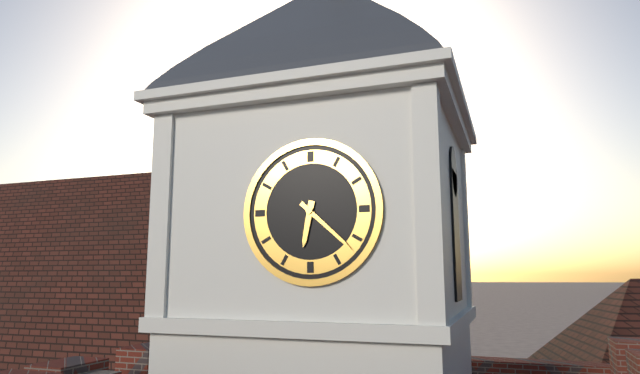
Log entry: 6h22
